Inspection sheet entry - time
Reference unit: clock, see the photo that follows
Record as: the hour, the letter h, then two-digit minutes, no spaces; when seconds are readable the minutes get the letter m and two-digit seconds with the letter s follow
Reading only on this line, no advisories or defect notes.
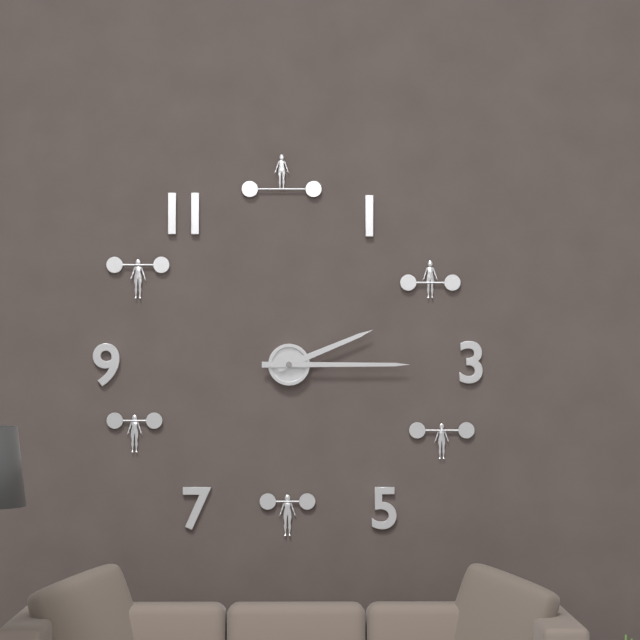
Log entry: 2h15
